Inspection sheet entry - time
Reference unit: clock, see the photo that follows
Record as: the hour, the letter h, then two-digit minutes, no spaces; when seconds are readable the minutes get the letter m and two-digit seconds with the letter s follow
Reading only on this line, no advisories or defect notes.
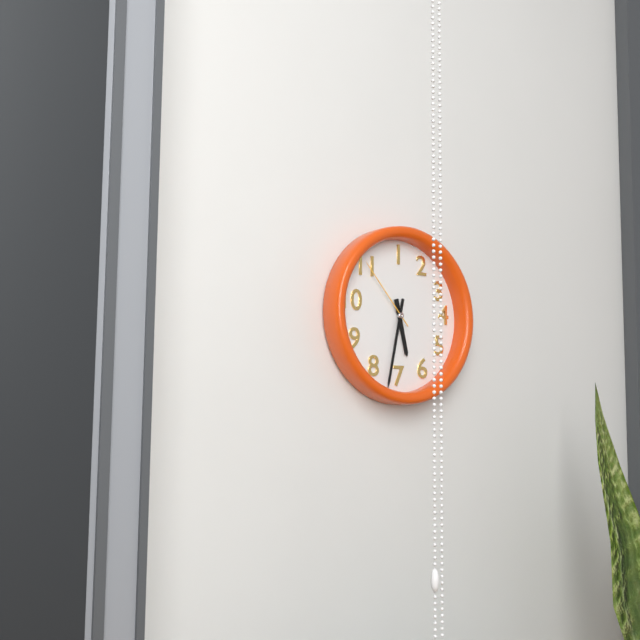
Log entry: 5h32m53s
